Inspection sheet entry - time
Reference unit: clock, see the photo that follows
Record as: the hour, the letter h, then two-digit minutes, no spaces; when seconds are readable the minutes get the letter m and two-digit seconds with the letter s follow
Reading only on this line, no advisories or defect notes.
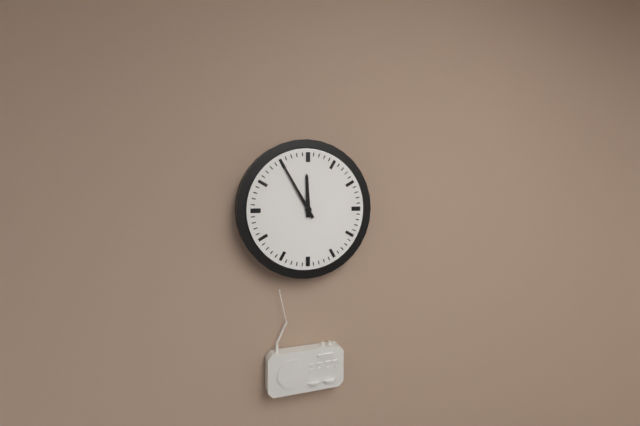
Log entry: 11h55
